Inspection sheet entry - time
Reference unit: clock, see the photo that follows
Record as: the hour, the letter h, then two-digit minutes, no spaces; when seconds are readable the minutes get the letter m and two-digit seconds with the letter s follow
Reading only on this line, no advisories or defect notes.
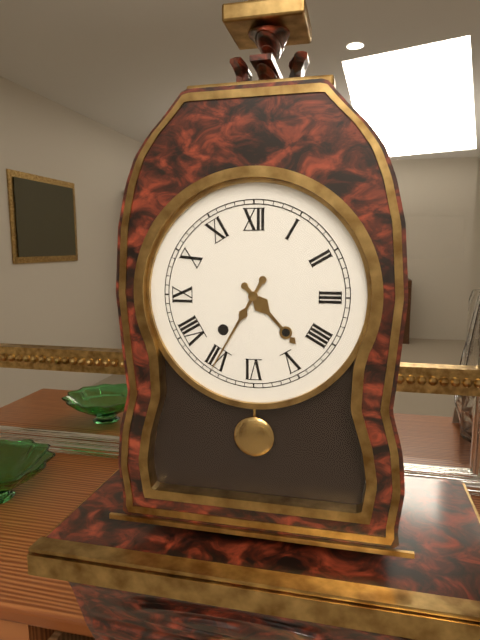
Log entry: 4h35
